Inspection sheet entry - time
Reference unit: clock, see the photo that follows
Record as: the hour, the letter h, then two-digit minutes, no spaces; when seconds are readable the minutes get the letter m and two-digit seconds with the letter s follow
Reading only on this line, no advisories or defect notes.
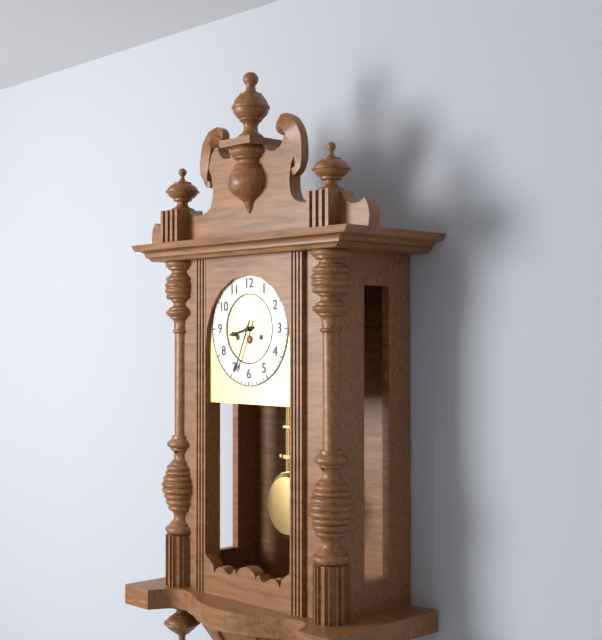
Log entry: 8h34
